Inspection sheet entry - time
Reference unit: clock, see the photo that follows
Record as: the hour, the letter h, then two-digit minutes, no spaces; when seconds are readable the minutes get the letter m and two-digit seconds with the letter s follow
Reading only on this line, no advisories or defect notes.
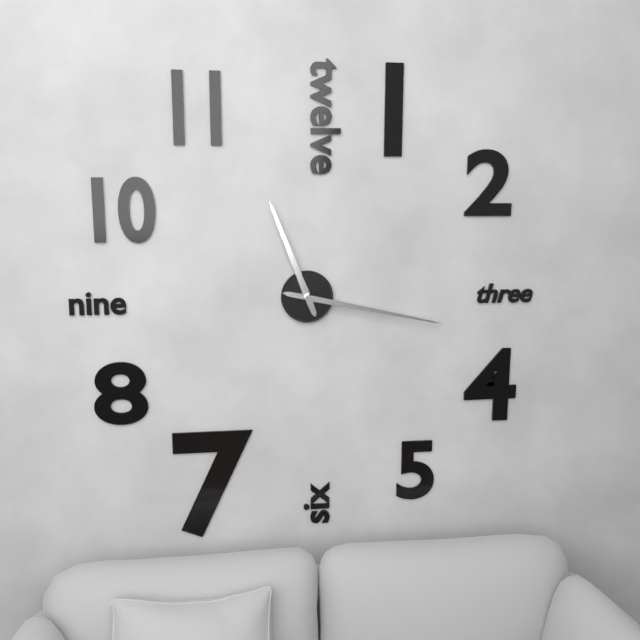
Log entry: 11h17
